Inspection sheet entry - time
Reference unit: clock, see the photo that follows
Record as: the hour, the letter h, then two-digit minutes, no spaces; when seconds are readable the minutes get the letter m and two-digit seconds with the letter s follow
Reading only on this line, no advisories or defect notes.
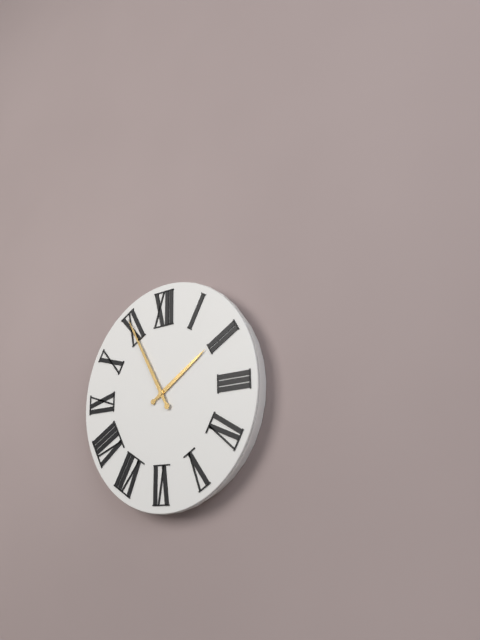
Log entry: 1h55
